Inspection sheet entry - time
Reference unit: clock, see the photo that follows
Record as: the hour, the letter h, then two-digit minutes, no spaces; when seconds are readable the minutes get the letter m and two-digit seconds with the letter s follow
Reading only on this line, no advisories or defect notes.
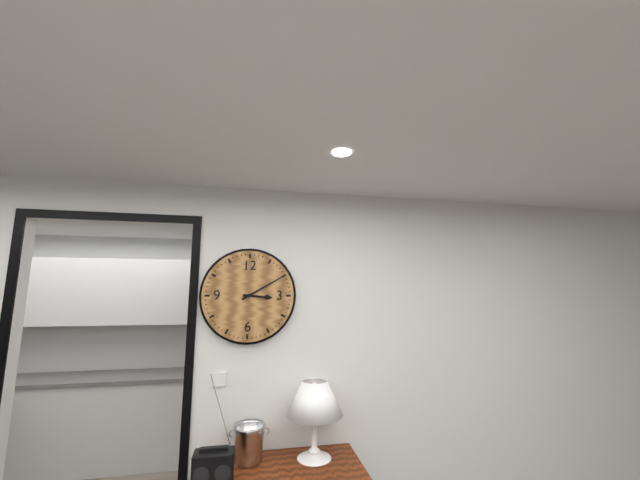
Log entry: 3h10
